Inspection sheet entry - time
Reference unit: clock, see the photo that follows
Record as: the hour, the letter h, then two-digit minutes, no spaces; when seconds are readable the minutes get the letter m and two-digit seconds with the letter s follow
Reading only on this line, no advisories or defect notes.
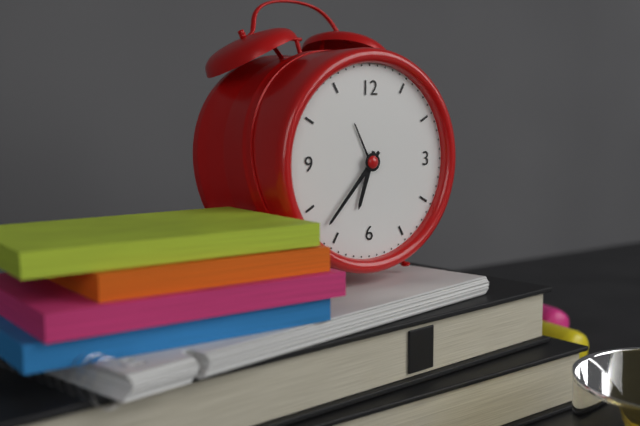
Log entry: 6h37
